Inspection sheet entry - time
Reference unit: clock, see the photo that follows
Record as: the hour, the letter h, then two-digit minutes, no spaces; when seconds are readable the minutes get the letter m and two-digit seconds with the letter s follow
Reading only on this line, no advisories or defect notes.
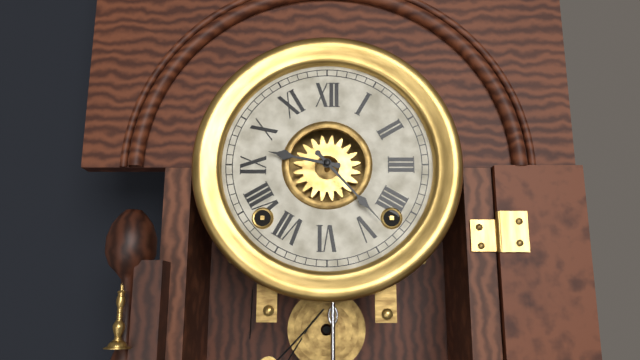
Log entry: 9h23
